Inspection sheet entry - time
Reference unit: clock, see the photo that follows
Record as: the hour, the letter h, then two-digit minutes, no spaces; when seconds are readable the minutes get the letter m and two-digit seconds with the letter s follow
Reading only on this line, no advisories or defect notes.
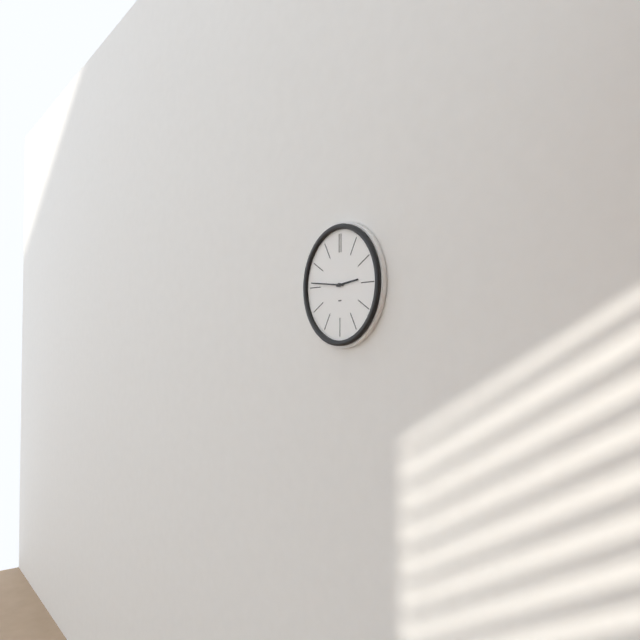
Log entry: 2h46
